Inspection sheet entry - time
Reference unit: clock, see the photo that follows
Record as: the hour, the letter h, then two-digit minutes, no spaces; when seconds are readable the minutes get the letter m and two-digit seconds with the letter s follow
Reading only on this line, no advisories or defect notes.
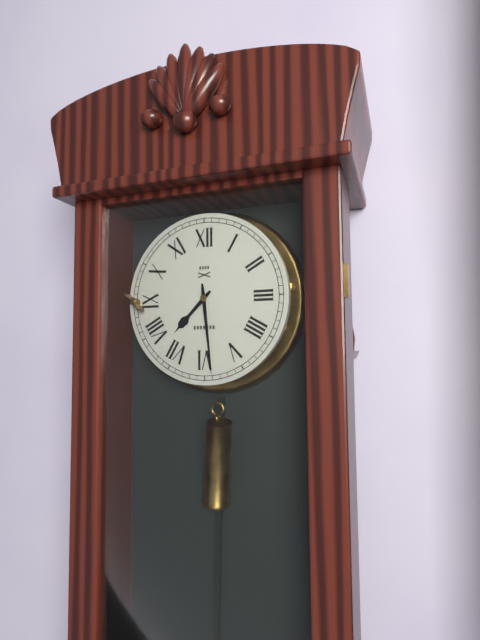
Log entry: 7h29
